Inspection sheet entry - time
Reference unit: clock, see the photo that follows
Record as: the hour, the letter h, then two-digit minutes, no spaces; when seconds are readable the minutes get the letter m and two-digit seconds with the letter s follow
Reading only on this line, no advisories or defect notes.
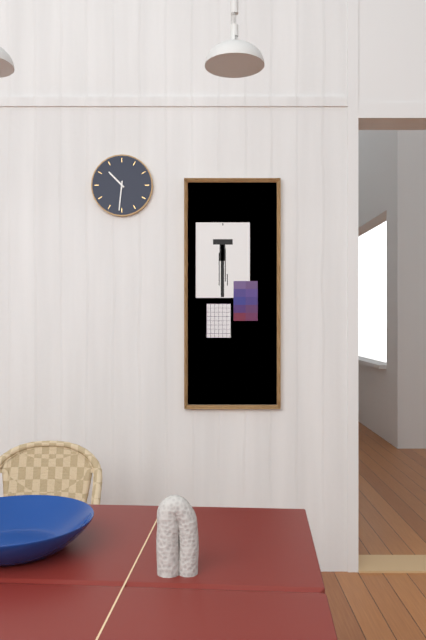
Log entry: 10h31
